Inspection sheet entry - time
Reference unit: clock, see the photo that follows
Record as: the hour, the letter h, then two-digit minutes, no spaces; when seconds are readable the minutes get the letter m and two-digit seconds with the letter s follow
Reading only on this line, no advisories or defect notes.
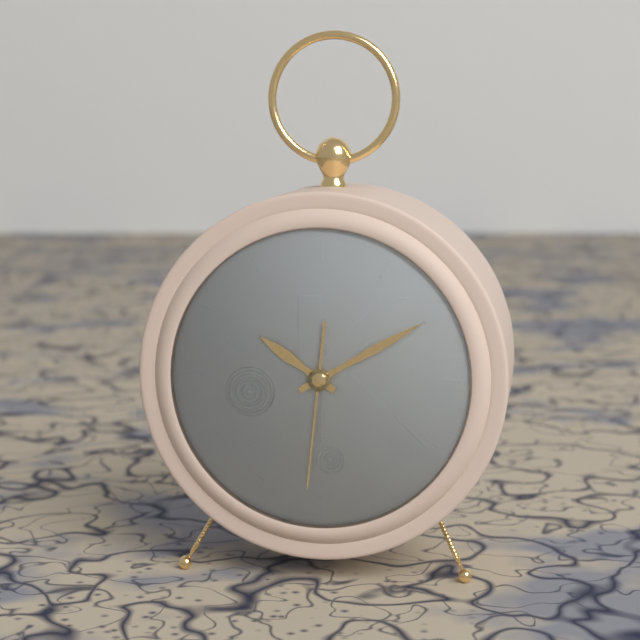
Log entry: 10h10m31s
